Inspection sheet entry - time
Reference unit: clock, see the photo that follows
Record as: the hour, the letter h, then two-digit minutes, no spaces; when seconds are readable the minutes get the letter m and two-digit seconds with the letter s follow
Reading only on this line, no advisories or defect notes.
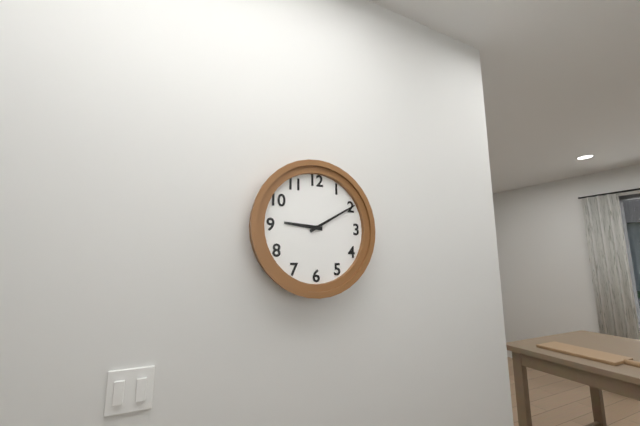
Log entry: 9h10
